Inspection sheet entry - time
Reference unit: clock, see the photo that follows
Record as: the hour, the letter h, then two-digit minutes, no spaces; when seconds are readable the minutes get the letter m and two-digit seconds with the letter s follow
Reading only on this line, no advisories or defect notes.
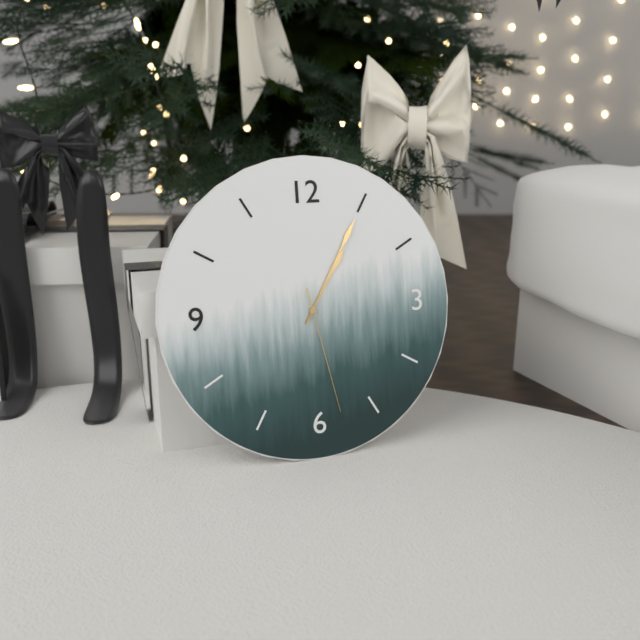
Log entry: 1h05m28s
